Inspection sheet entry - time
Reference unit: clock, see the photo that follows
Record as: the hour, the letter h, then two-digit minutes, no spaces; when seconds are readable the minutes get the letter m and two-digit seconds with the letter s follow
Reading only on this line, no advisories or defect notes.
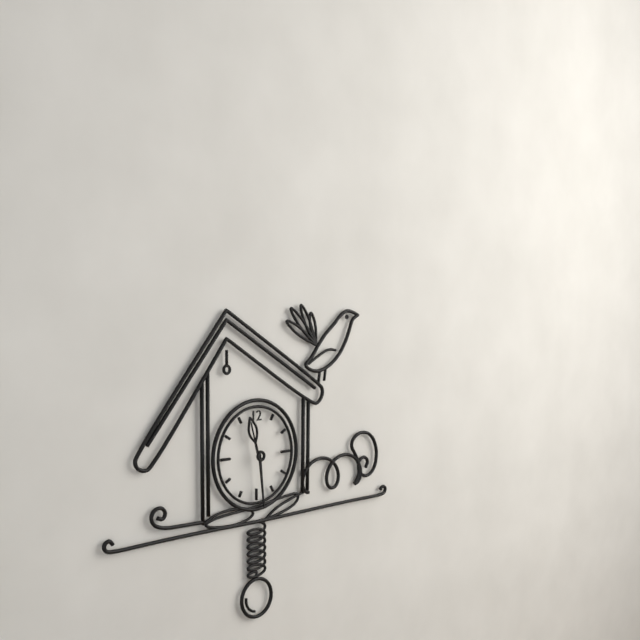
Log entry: 11h29
